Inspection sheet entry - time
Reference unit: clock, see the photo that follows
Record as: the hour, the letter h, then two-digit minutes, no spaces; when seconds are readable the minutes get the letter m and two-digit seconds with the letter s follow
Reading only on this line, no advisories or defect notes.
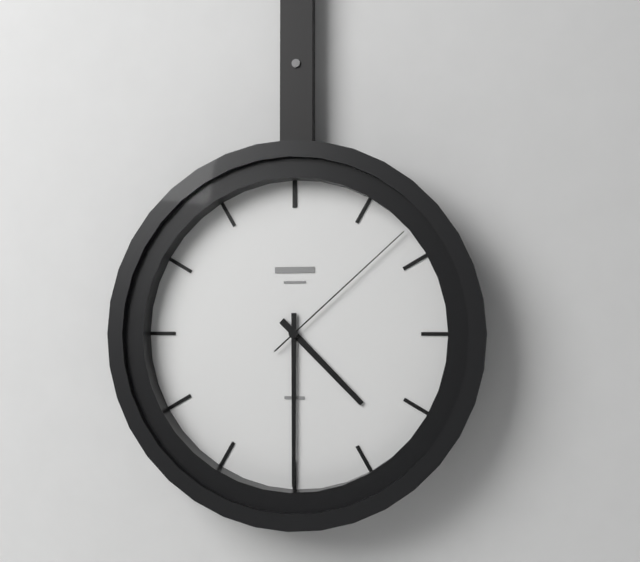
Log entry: 4h30m08s
